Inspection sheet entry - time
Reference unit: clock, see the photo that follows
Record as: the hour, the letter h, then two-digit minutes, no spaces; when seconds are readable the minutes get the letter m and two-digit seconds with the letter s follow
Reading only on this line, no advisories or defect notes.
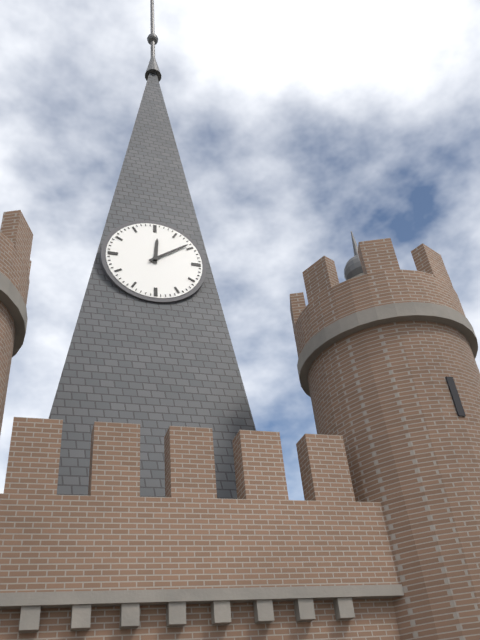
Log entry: 12h09
